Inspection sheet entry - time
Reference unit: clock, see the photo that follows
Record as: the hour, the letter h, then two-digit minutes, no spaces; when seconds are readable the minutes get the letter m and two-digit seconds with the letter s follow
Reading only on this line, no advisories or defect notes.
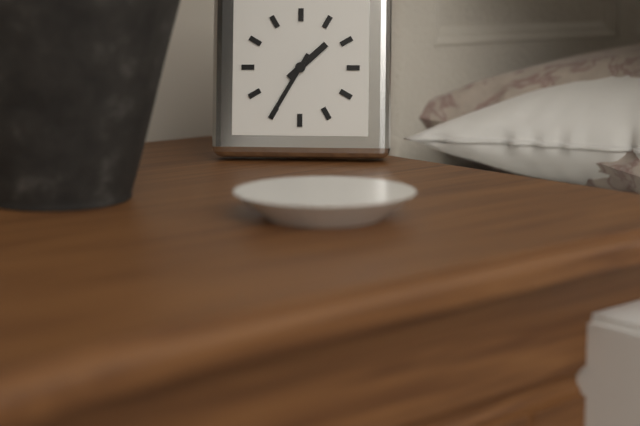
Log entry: 1h35
